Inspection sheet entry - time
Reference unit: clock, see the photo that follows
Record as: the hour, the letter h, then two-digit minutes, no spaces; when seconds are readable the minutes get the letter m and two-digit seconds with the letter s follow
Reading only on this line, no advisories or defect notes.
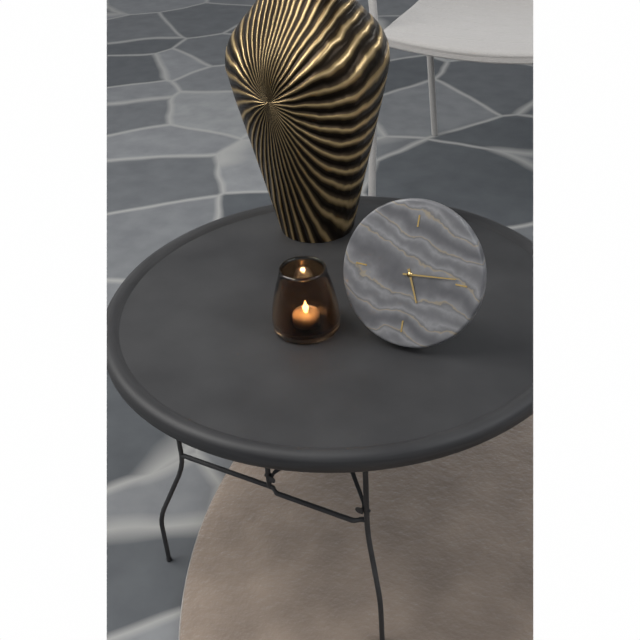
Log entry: 5h14
